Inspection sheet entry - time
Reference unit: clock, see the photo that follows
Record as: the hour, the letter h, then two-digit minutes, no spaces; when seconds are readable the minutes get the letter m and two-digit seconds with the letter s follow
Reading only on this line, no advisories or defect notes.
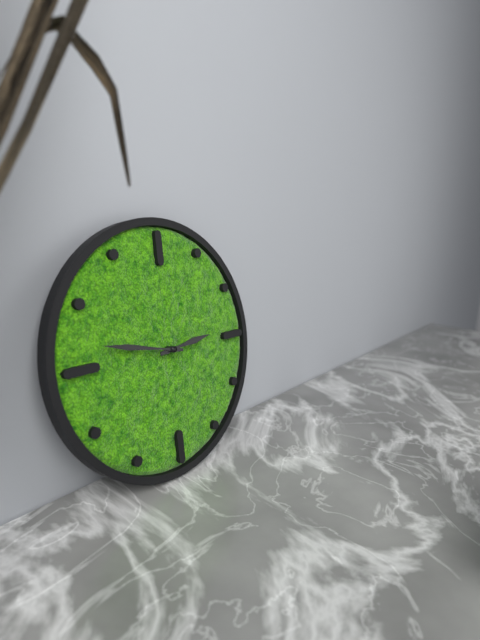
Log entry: 2h47
